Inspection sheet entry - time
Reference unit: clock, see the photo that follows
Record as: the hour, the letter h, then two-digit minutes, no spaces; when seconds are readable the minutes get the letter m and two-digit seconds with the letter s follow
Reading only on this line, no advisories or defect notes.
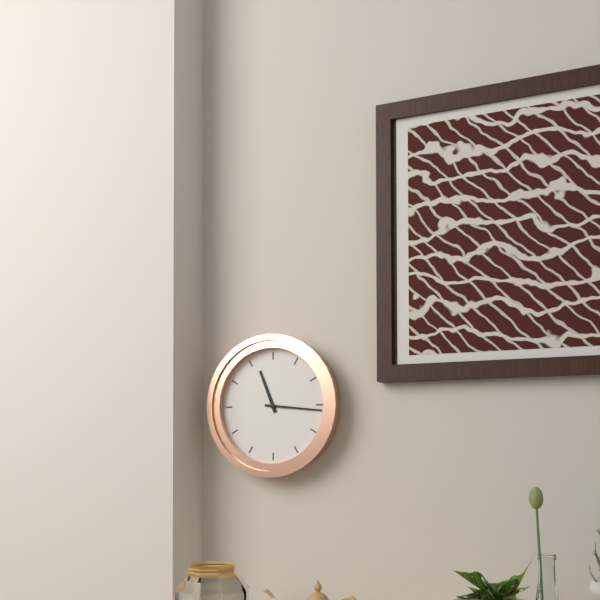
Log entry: 11h16
